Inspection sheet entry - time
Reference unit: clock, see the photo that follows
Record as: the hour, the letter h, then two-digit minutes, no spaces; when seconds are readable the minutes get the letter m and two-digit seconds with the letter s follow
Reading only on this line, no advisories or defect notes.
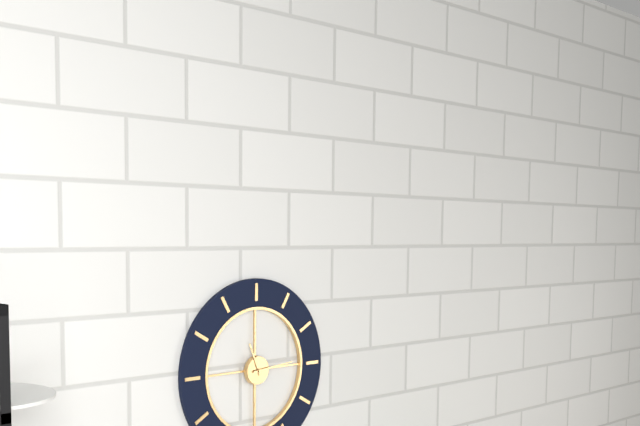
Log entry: 11h14
